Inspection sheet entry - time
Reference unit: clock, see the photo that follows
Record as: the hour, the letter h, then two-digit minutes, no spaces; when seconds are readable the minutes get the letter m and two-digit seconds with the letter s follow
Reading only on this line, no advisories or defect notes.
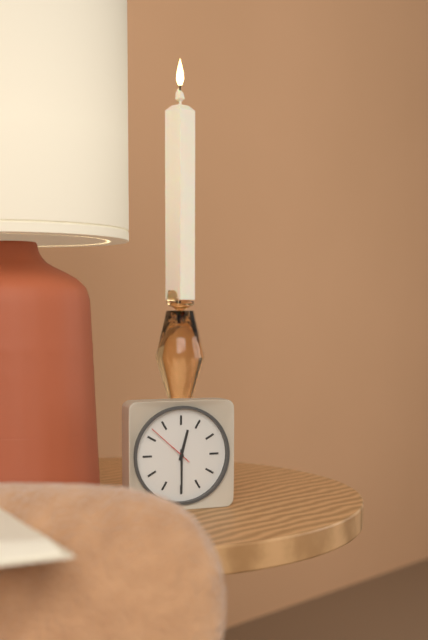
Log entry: 12h30m52s
